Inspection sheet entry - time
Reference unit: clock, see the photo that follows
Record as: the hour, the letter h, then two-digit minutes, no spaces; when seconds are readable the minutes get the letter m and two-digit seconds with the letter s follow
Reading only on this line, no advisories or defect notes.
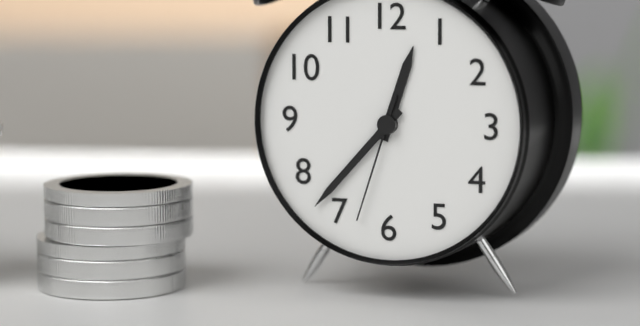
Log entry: 12h37m33s
